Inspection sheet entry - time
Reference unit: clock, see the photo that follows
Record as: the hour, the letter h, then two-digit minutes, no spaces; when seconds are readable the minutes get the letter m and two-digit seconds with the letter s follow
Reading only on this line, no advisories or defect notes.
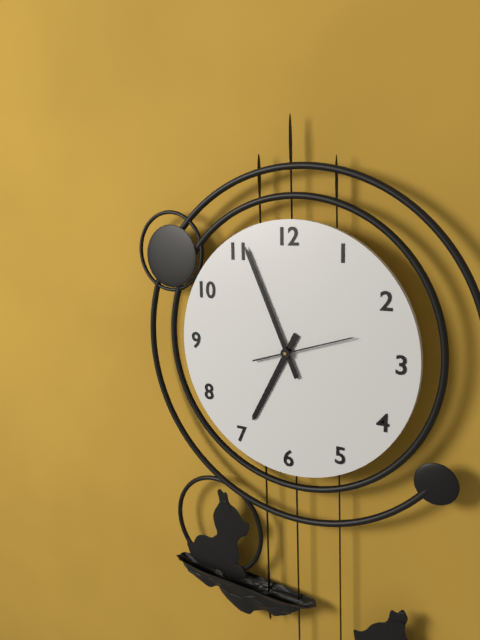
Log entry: 6h56m12s
